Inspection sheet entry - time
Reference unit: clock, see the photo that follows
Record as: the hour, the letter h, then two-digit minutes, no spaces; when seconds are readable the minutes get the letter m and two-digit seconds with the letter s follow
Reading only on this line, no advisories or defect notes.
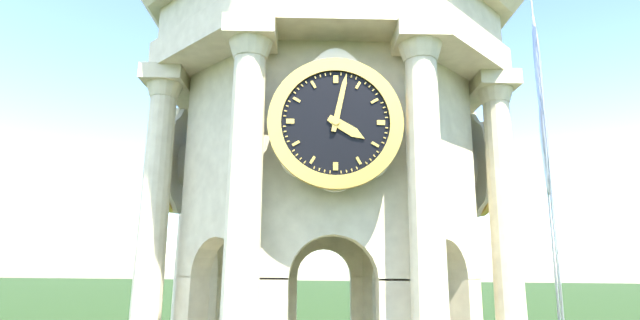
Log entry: 4h02
